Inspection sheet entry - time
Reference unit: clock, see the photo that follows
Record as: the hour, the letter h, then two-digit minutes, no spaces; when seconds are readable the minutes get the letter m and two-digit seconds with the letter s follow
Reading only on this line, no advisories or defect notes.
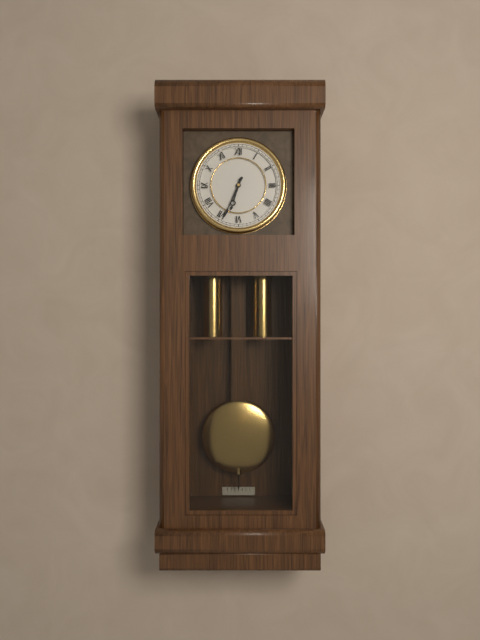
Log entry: 6h34
